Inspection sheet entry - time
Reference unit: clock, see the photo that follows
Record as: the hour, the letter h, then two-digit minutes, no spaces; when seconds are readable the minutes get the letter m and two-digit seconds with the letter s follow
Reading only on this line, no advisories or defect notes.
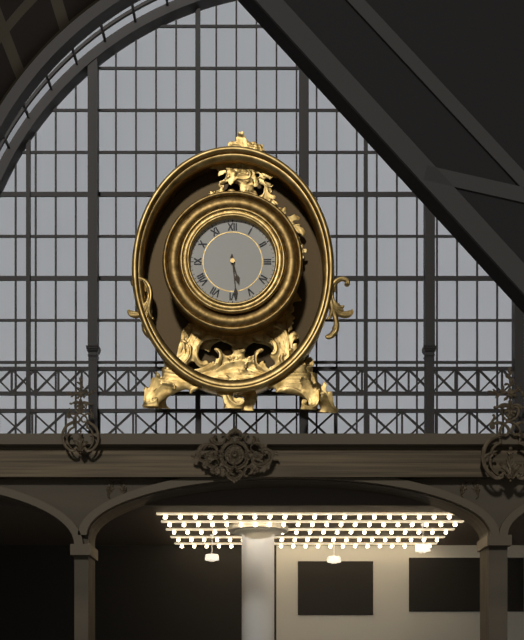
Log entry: 5h29
